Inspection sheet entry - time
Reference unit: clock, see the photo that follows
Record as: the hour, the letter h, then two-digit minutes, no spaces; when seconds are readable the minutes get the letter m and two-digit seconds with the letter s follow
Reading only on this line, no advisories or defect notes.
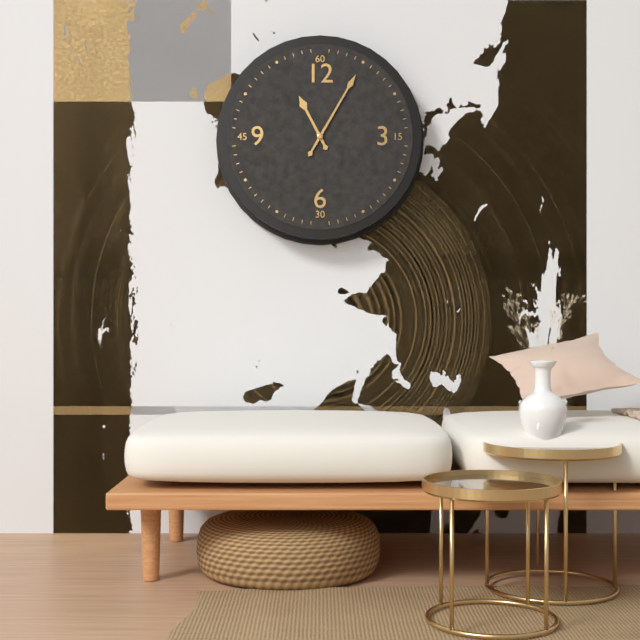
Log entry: 11h05
